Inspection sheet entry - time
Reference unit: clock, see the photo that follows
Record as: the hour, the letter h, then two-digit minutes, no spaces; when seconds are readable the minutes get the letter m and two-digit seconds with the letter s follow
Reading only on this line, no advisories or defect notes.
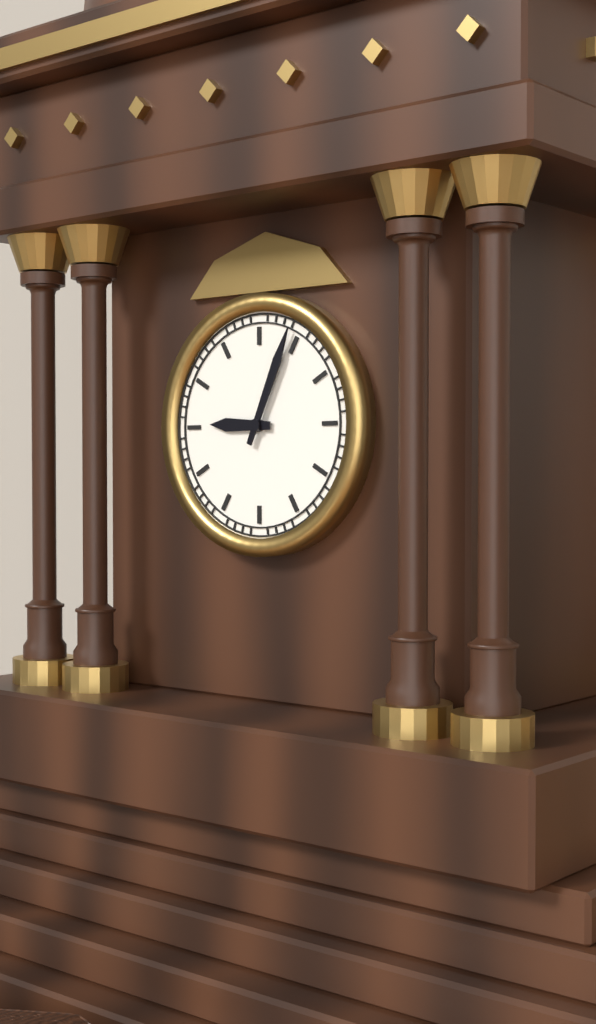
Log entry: 9h04
